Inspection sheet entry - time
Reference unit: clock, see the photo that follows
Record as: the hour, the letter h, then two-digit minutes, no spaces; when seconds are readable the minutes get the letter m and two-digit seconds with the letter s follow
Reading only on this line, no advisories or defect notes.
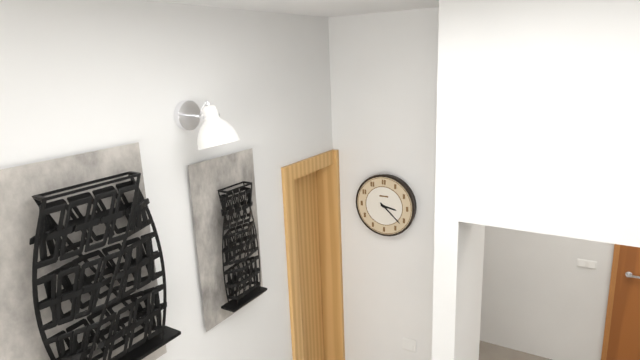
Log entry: 3h22
